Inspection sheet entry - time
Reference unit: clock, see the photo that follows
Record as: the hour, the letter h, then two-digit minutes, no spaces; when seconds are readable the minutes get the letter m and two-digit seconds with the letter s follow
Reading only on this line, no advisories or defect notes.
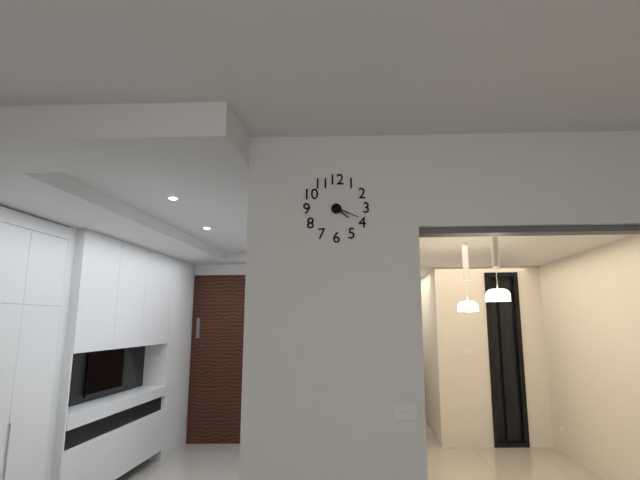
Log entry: 4h19
